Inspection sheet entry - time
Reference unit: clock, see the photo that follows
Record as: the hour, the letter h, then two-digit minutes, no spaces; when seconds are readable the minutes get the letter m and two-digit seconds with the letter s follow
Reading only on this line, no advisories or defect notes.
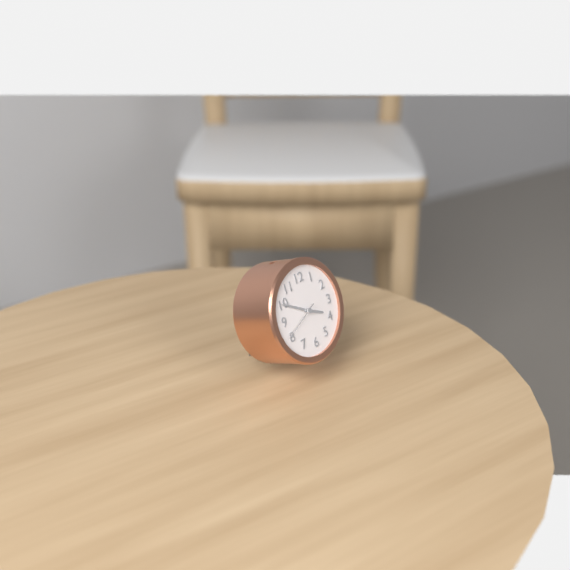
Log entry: 3h50
